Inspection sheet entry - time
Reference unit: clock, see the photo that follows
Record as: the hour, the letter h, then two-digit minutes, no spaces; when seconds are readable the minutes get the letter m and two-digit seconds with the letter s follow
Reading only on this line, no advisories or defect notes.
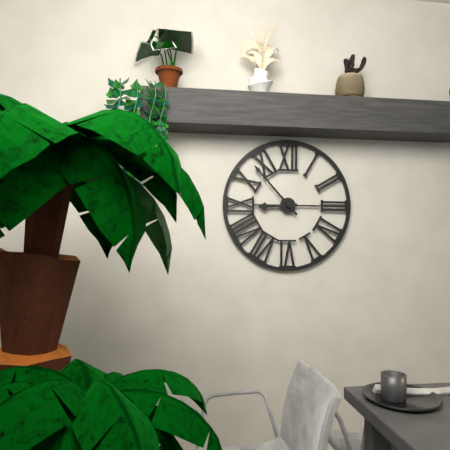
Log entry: 8h53
